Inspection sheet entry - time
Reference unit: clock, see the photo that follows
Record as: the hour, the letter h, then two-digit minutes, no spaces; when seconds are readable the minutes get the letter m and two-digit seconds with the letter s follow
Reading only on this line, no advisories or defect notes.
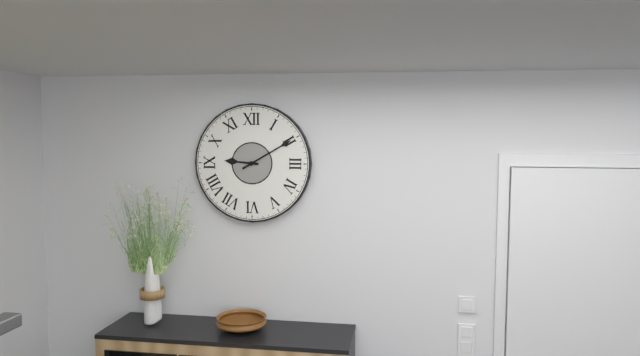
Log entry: 9h10
